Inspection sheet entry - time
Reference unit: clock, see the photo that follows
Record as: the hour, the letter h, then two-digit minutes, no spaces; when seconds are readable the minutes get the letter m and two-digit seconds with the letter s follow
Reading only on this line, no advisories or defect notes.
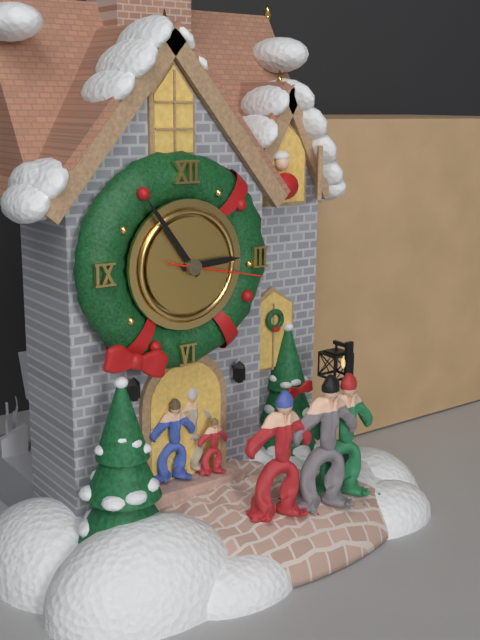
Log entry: 2h54m17s
